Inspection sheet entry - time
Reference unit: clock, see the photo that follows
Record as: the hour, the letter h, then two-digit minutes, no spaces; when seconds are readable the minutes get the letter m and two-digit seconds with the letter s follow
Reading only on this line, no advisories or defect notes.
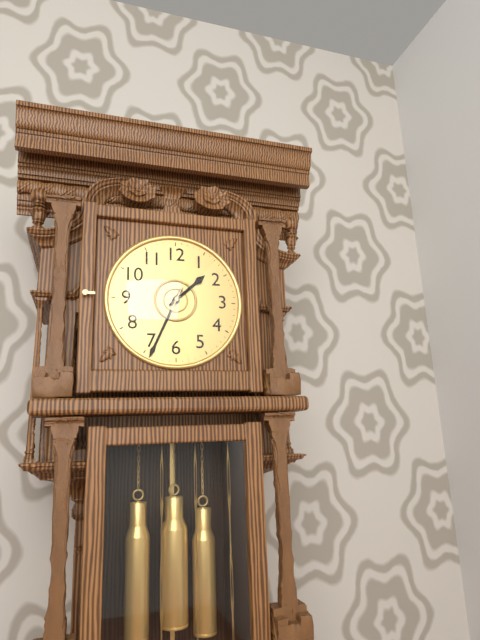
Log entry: 1h34m04s
